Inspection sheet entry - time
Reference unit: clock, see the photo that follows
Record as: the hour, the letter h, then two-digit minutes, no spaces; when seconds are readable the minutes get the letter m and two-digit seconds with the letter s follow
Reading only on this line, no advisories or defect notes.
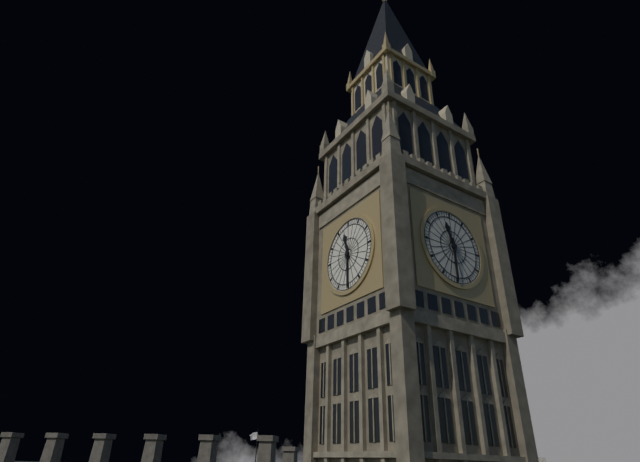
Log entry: 11h30
